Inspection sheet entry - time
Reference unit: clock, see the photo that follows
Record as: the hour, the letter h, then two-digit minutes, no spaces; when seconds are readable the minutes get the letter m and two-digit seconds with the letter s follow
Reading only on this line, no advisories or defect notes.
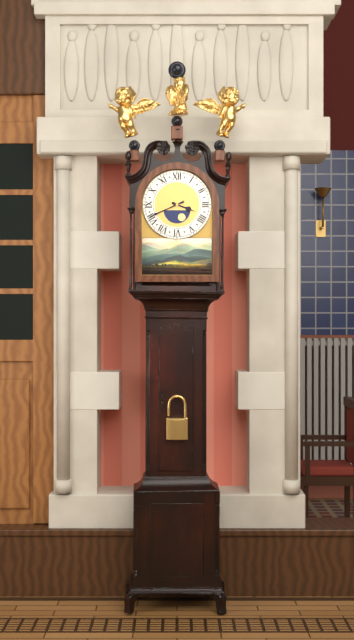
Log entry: 3h41
